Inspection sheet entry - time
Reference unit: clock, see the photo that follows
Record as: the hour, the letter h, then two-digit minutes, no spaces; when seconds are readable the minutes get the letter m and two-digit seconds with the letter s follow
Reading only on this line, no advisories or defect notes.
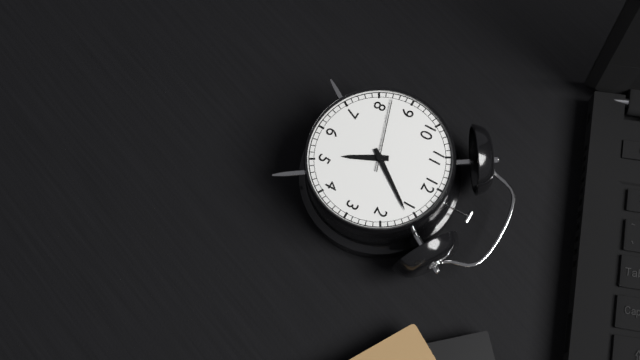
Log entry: 5h06m42s
